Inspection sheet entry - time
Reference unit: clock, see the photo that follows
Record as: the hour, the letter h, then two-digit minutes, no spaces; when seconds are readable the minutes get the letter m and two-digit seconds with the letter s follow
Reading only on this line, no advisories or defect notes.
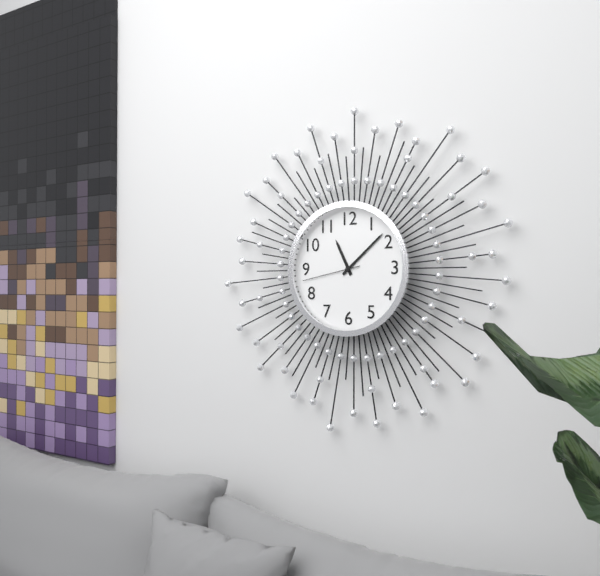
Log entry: 11h08m43s
